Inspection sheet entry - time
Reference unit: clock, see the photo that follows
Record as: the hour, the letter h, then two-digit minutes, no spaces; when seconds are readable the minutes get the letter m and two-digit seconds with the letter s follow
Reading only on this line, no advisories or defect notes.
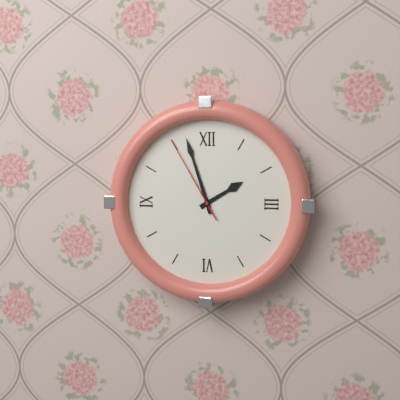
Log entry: 1h57m55s
